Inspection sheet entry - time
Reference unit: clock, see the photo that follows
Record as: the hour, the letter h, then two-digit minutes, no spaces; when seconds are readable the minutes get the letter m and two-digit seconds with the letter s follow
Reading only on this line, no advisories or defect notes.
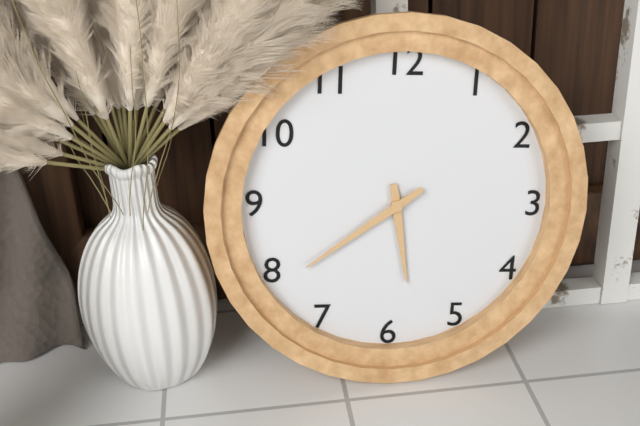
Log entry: 5h39
